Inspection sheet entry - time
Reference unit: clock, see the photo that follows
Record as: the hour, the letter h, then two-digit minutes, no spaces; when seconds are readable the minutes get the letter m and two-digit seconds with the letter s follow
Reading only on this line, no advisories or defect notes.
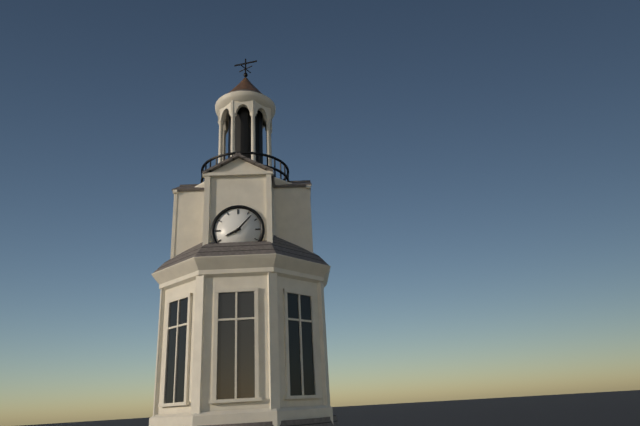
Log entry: 8h07
